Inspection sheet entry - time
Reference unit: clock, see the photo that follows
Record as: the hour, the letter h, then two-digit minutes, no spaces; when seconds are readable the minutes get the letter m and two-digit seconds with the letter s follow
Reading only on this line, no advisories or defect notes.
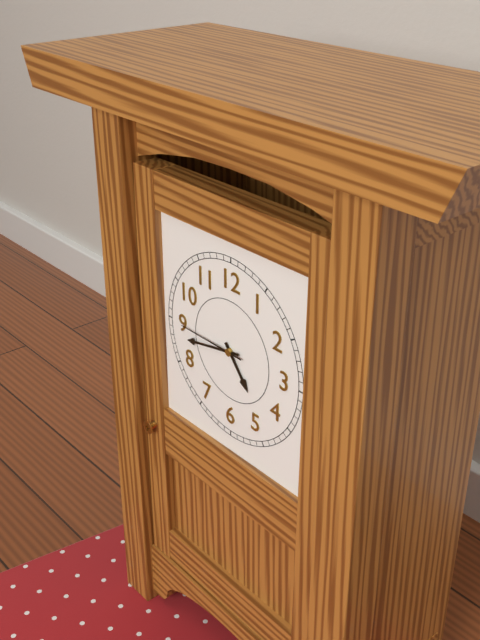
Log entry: 4h43m45s
